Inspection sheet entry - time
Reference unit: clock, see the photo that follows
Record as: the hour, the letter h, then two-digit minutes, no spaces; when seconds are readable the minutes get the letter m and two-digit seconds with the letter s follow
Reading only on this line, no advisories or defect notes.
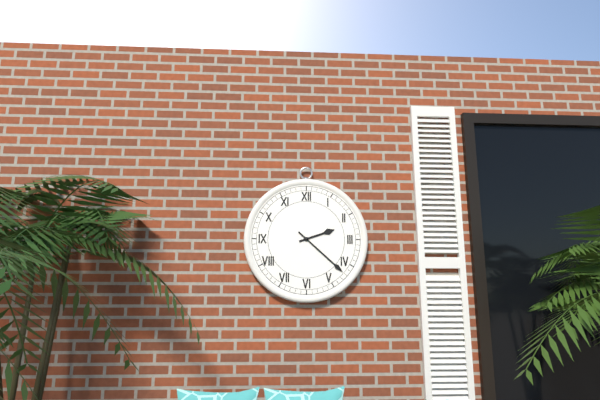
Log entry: 2h22
